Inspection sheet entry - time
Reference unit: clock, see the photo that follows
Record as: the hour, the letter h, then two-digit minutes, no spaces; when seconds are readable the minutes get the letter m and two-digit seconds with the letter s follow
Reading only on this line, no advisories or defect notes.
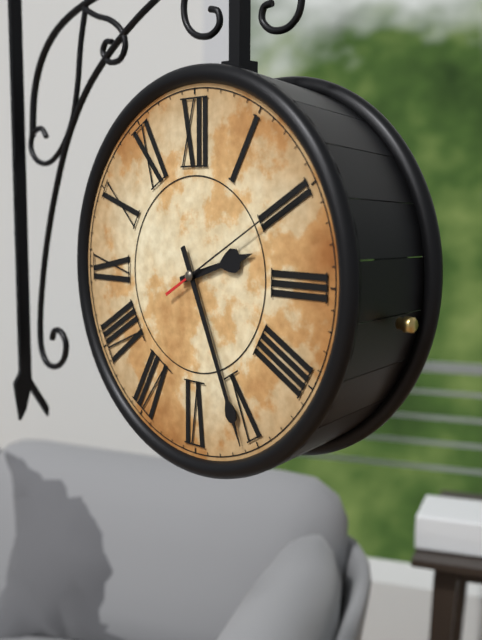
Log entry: 2h26m10s
